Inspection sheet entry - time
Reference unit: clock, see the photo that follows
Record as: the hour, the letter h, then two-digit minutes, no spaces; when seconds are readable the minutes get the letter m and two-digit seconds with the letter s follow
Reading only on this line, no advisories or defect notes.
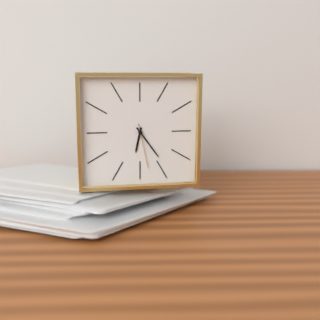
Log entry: 6h24
